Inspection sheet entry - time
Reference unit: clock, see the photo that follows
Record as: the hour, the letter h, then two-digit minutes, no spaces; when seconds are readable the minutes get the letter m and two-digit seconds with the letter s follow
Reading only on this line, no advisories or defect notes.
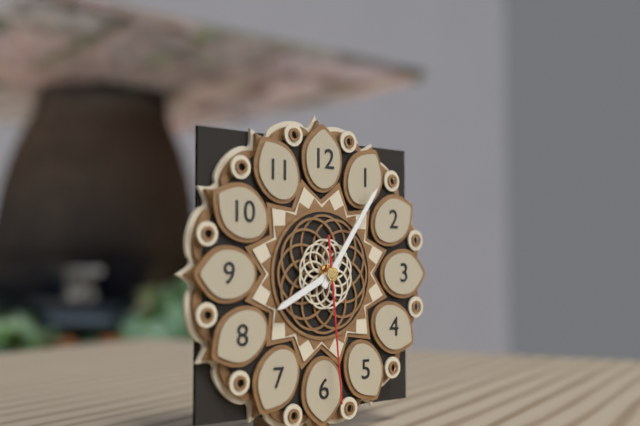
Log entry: 8h06m29s
